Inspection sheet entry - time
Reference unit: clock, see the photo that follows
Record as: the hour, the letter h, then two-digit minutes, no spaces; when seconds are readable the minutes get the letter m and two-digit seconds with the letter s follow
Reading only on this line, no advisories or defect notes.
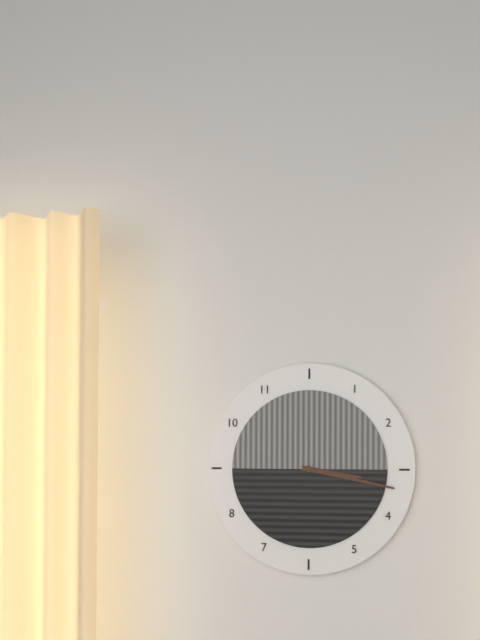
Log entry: 3h17
